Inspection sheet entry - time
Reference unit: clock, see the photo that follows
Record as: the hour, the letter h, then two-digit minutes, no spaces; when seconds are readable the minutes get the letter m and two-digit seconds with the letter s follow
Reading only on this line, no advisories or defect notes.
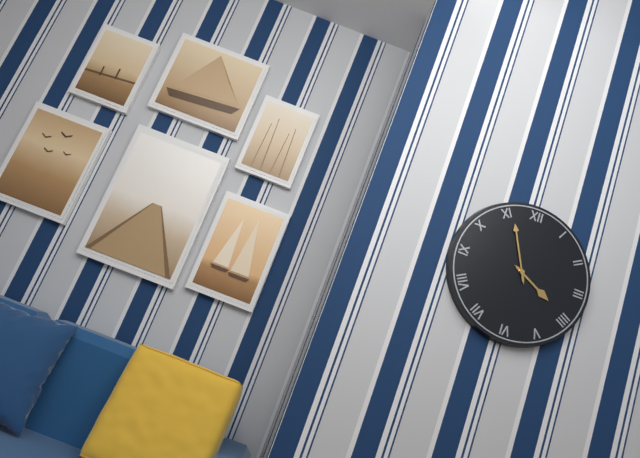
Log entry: 3h56
